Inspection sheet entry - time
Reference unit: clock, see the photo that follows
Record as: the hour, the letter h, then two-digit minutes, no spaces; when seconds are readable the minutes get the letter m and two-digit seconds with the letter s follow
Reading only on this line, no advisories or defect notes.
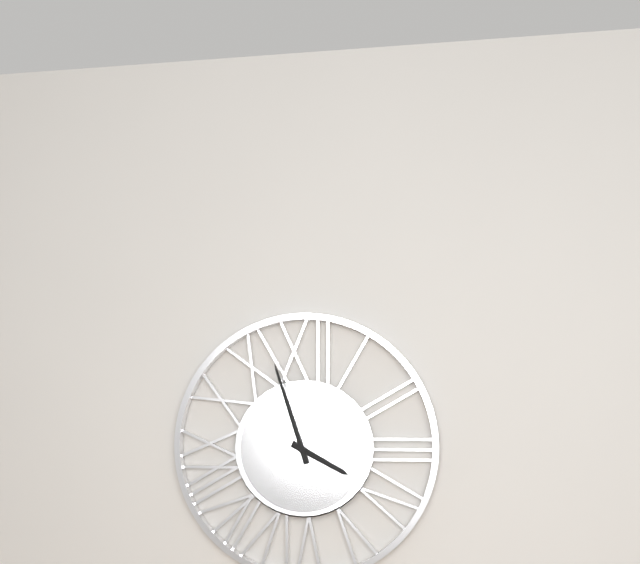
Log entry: 3h57
